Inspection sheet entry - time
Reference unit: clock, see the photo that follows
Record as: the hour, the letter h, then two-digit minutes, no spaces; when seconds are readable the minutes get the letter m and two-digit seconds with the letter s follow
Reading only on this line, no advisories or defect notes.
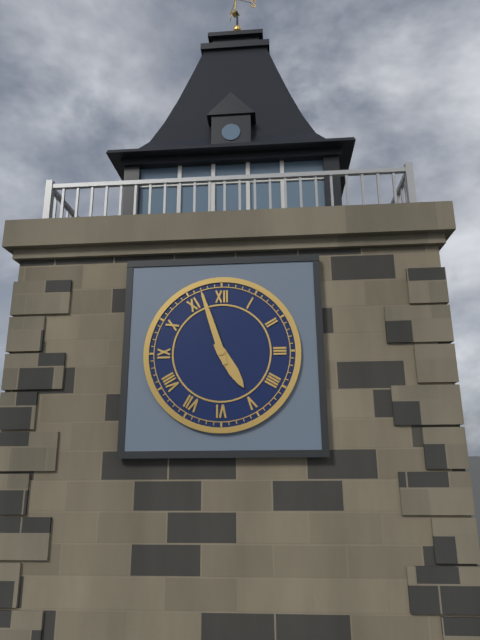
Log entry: 4h57
